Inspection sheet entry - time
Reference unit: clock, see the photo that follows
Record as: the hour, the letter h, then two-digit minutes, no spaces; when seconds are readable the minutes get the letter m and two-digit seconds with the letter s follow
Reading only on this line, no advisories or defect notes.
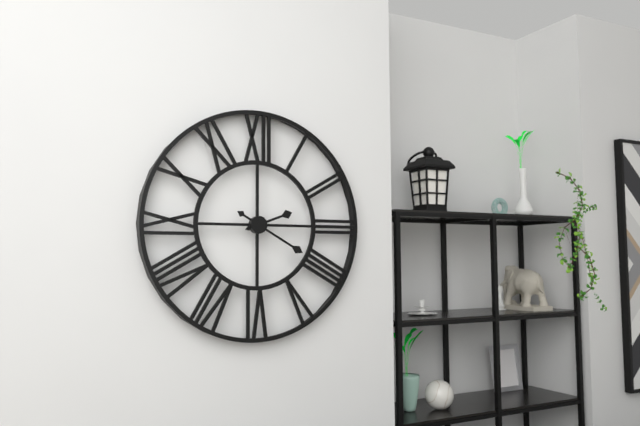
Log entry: 2h20
